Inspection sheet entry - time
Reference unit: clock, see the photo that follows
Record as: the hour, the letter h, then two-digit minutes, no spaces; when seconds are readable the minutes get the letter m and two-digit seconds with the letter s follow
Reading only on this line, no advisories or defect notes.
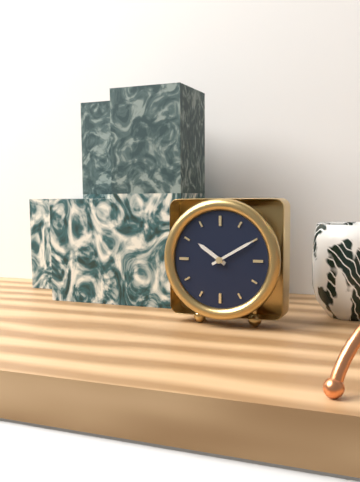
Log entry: 10h10
